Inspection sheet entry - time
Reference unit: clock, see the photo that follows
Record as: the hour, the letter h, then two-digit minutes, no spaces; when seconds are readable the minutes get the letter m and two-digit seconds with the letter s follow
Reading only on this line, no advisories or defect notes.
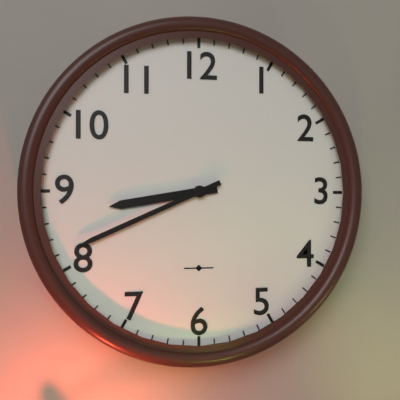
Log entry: 8h41
